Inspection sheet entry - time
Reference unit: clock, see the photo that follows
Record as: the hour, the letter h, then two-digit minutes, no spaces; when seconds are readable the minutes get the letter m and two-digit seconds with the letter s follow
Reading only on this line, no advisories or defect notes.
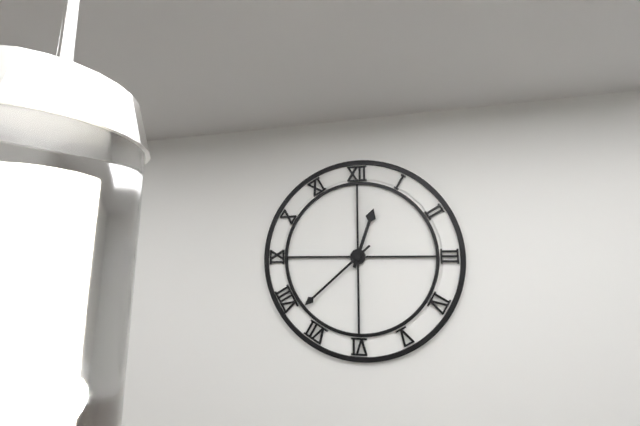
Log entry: 12h38
